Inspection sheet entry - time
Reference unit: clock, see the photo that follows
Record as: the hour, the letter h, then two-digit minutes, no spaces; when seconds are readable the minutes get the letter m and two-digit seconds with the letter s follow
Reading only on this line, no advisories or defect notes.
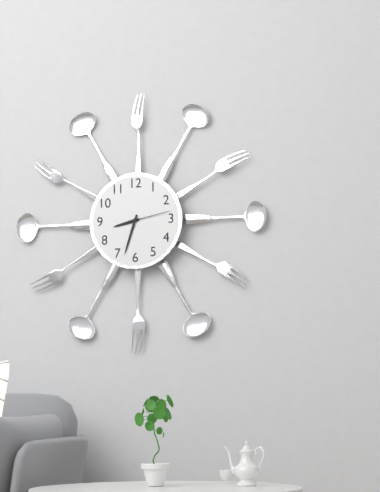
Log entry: 8h33
